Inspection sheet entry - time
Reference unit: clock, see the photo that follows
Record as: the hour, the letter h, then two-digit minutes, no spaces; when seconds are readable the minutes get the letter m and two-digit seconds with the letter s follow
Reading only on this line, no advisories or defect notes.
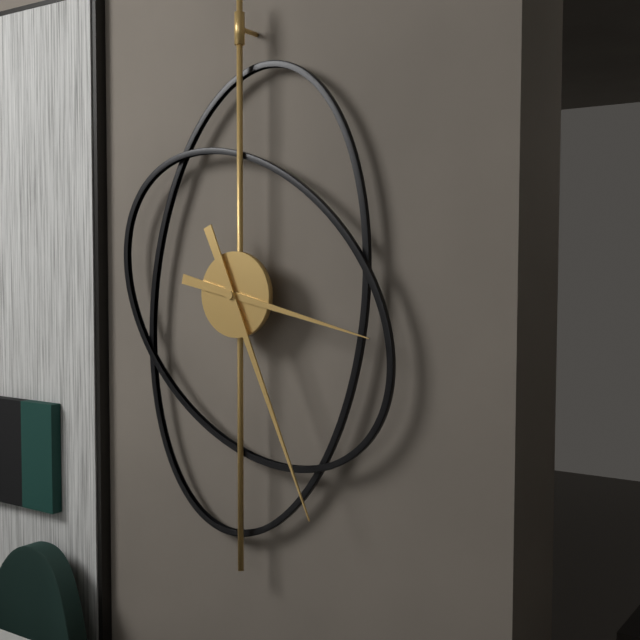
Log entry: 3h26
